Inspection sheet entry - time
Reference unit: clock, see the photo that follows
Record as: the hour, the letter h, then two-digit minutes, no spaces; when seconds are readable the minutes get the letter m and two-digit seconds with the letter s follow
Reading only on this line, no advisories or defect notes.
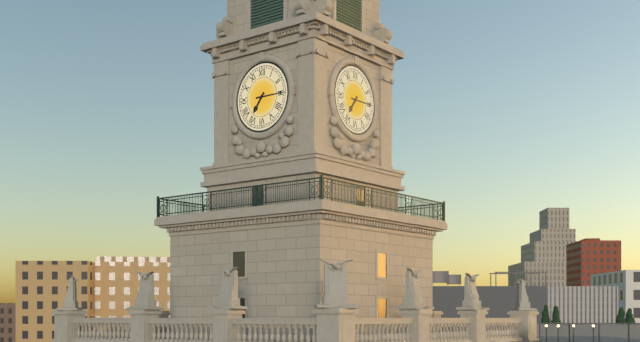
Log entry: 7h15
